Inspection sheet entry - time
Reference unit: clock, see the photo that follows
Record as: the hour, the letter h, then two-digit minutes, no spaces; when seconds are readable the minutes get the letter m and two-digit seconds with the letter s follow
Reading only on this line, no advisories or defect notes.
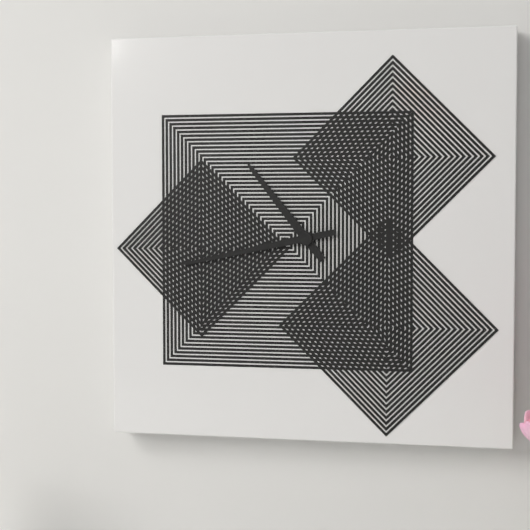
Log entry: 10h43
